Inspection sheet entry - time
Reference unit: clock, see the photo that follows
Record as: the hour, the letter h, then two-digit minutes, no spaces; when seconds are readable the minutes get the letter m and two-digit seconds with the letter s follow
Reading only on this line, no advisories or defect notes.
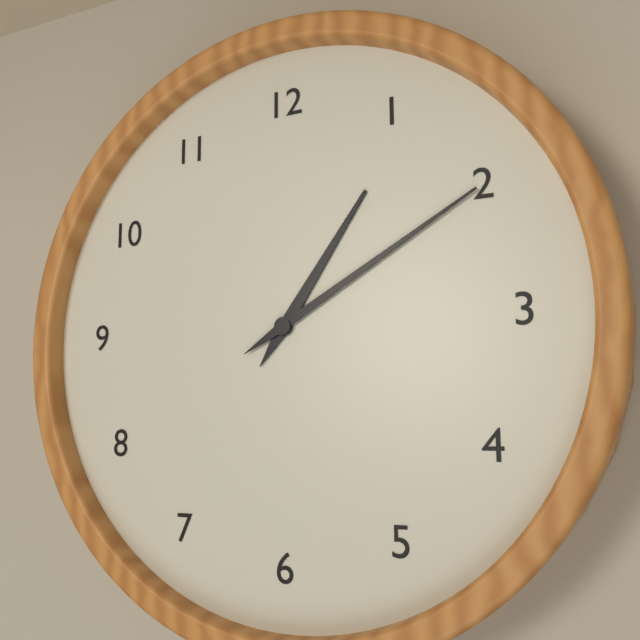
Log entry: 1h10
